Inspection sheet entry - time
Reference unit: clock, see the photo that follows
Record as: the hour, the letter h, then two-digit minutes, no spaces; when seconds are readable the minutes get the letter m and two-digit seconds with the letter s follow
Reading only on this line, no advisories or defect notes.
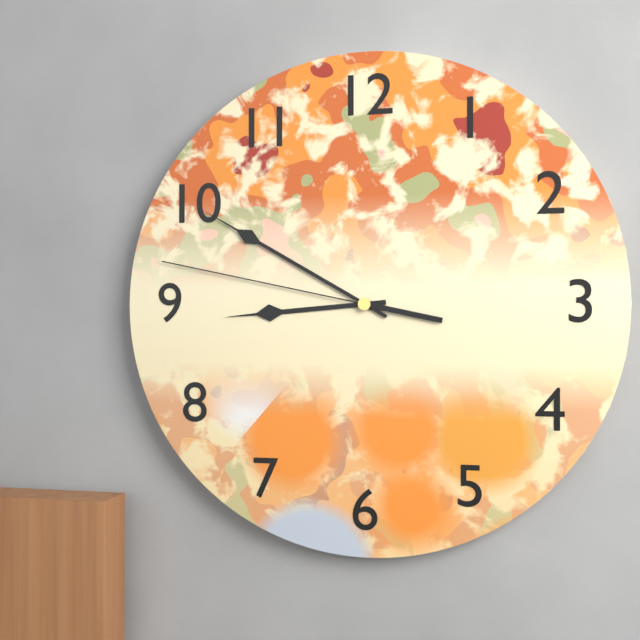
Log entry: 8h50m47s
